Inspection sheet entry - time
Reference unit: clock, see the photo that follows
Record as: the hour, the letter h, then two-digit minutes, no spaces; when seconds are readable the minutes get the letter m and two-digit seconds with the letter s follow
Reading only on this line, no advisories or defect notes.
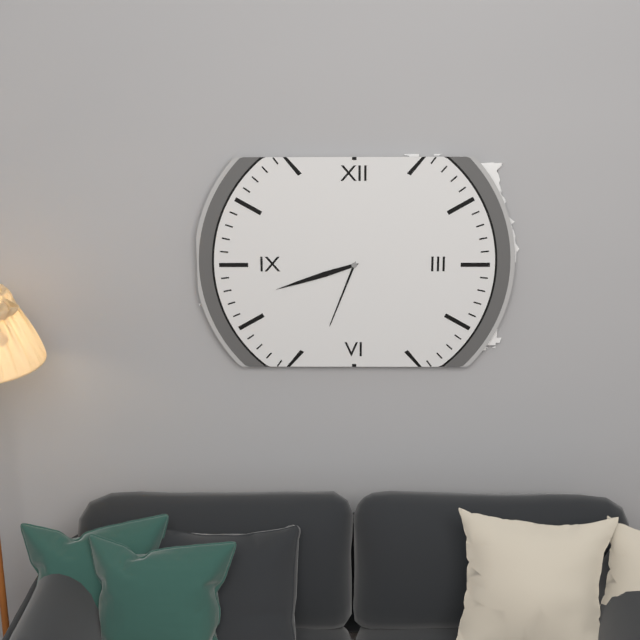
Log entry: 6h42
